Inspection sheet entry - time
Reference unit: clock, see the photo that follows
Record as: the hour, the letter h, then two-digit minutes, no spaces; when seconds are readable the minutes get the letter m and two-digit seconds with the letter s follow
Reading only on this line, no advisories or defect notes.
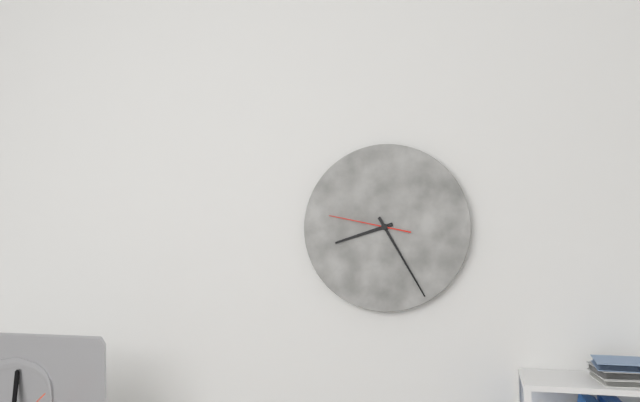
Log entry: 8h25m47s
